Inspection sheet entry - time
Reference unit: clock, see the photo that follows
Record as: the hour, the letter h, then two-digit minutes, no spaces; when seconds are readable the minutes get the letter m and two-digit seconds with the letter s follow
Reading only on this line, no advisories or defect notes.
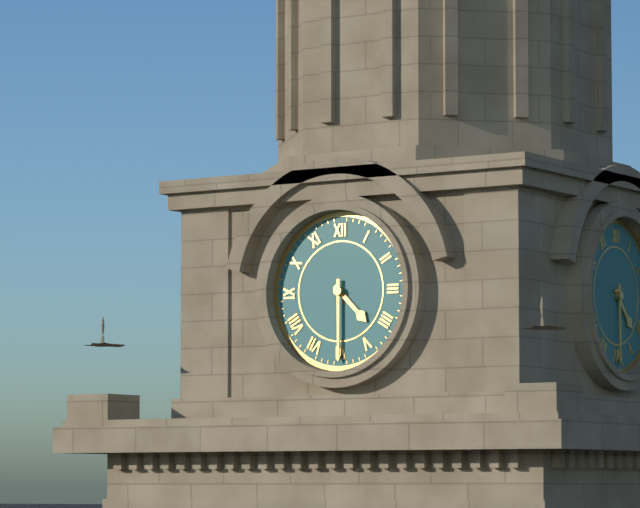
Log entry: 4h30
